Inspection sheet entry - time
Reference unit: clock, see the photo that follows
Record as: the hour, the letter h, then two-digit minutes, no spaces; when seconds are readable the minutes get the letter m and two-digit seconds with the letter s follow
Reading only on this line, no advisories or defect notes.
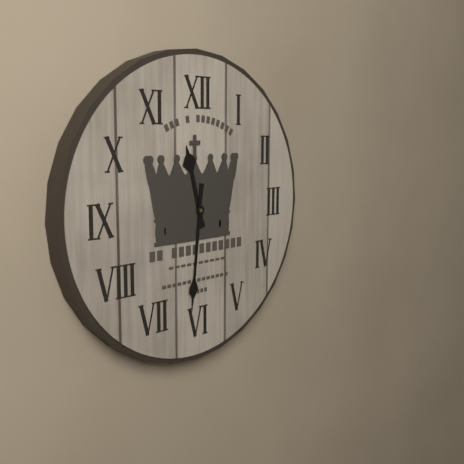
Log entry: 11h31
